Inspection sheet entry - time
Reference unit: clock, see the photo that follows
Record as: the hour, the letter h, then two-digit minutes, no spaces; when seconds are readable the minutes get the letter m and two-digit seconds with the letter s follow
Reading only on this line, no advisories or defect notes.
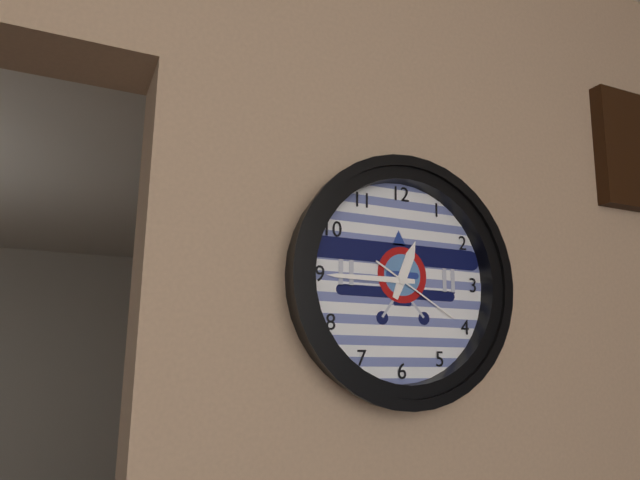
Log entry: 12h45m20s
